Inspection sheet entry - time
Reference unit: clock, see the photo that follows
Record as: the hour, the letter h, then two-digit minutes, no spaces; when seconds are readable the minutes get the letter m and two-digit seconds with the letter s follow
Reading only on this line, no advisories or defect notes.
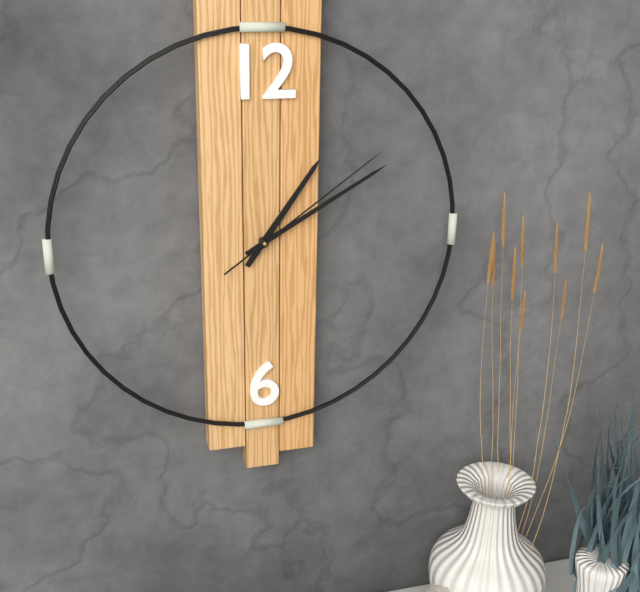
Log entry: 1h10m09s
